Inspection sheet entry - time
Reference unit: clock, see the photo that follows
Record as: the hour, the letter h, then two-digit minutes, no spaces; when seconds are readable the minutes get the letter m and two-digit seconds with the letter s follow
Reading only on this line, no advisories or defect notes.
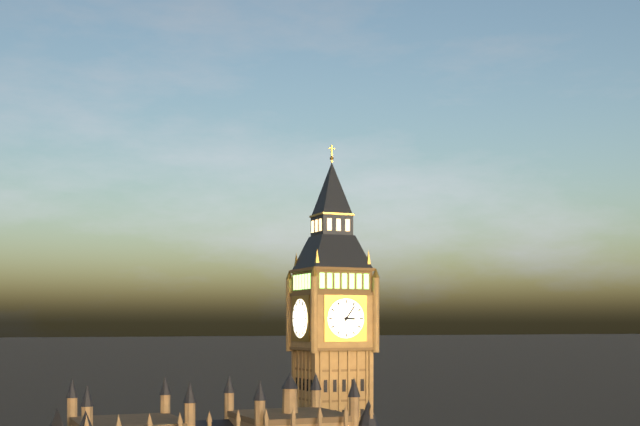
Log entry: 3h06
